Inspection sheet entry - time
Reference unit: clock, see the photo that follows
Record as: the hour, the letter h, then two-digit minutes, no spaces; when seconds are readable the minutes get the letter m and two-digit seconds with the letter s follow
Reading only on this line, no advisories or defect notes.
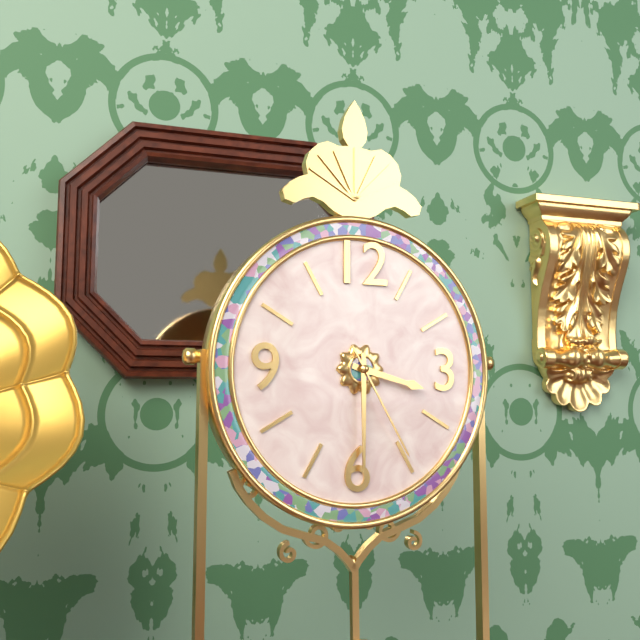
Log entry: 3h30m25s
